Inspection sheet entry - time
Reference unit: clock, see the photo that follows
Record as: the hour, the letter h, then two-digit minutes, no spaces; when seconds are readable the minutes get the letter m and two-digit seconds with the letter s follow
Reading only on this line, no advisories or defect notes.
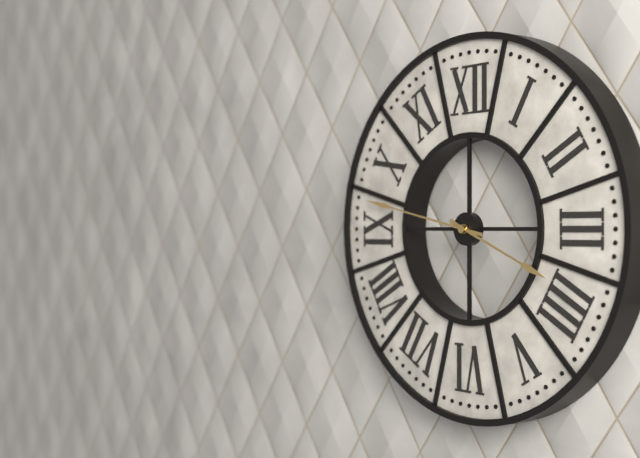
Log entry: 3h47
